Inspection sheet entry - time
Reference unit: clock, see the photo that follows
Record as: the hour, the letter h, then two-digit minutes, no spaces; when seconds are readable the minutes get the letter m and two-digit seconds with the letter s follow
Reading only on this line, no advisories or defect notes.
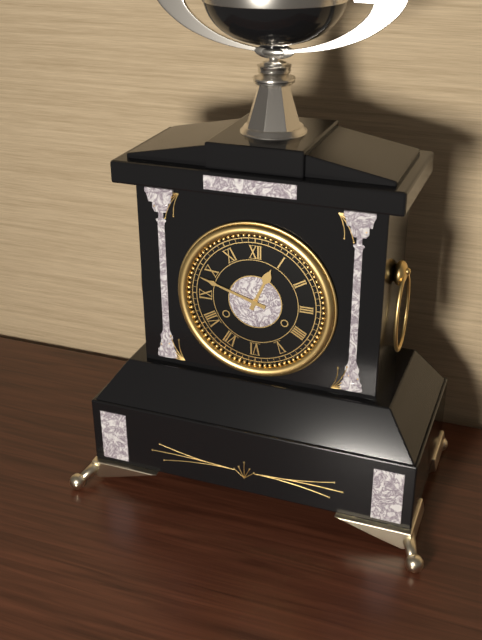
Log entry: 12h48
